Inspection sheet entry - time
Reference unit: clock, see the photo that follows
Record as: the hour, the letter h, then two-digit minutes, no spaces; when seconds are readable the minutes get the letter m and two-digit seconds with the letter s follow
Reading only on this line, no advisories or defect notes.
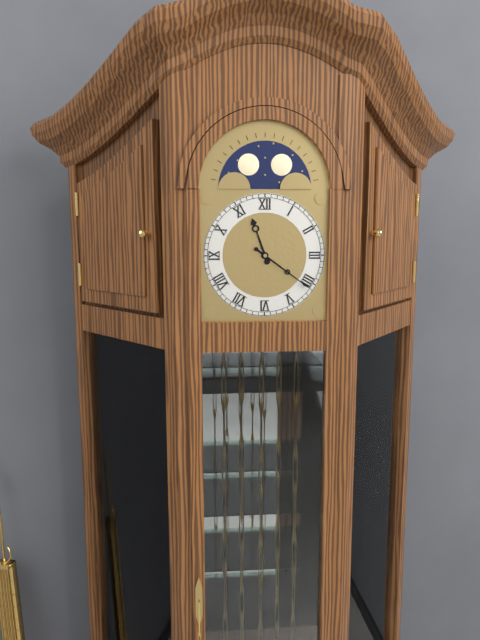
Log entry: 11h21
